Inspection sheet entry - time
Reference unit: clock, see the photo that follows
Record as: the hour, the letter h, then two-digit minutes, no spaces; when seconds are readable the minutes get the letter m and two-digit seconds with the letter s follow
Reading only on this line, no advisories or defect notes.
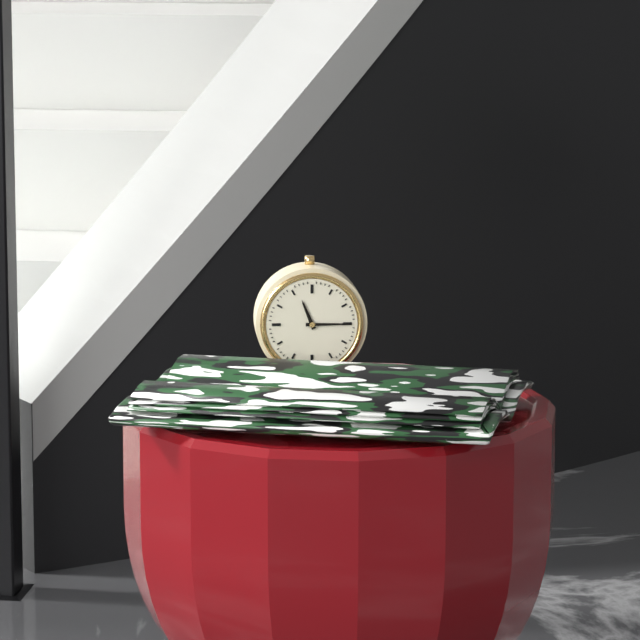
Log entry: 11h15
